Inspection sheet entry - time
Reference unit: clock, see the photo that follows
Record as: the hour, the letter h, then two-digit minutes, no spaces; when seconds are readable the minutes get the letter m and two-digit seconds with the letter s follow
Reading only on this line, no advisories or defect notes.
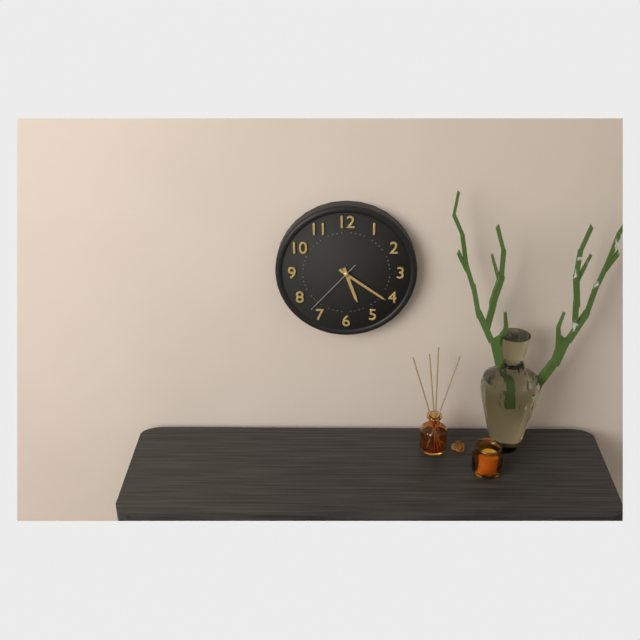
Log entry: 5h21m37s
